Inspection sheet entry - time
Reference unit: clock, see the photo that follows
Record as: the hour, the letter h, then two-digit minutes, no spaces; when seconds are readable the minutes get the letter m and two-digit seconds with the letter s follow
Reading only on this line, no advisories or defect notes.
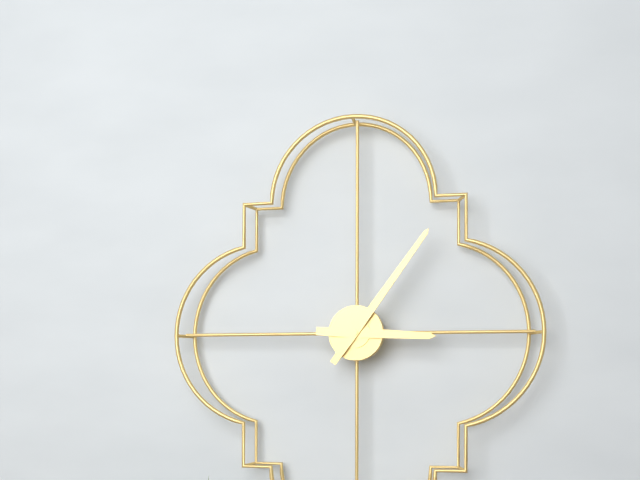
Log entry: 3h06
